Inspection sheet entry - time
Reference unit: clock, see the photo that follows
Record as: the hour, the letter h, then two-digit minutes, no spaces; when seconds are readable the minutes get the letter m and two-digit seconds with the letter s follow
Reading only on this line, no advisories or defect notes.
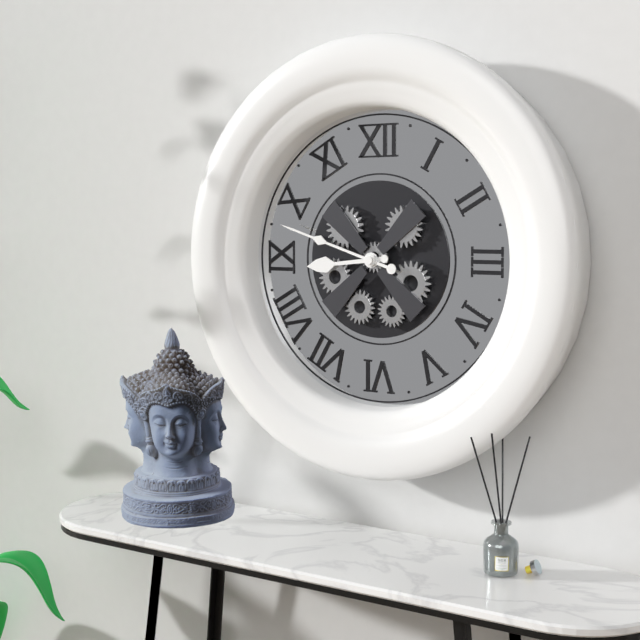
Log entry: 8h48
